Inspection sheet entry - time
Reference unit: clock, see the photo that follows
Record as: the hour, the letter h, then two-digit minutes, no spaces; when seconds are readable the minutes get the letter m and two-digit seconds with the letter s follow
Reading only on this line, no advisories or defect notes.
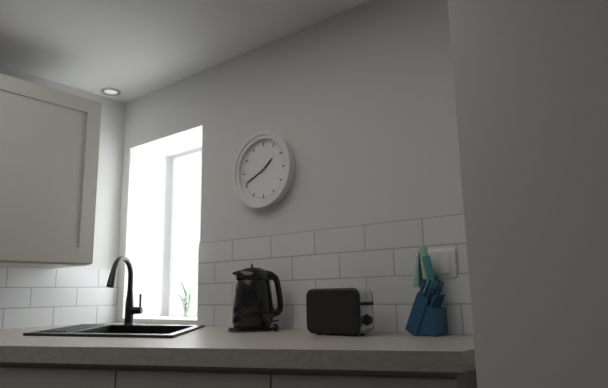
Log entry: 1h41
